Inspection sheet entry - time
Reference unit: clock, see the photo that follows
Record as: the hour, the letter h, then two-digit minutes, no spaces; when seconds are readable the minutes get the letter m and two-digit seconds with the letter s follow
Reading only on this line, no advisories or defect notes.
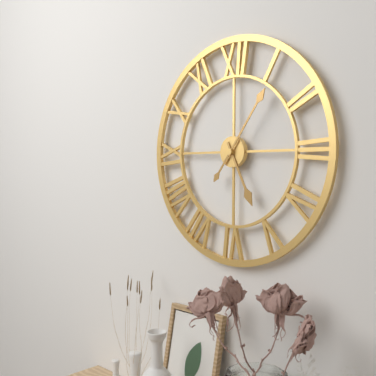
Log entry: 5h06
